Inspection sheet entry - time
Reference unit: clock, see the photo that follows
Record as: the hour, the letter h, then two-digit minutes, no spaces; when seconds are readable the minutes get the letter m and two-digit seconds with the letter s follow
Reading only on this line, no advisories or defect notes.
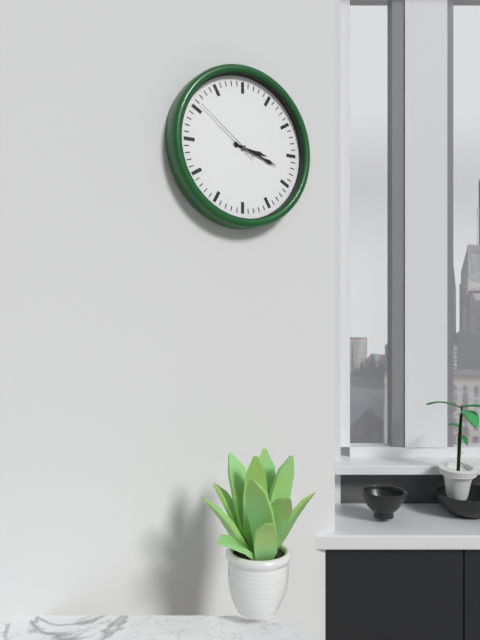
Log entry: 3h18m51s
